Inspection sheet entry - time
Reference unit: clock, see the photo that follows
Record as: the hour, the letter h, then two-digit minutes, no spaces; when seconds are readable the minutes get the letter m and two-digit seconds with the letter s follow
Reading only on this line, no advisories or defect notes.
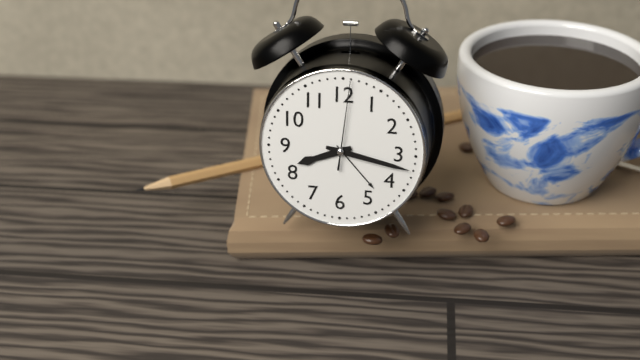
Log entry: 8h17m01s
